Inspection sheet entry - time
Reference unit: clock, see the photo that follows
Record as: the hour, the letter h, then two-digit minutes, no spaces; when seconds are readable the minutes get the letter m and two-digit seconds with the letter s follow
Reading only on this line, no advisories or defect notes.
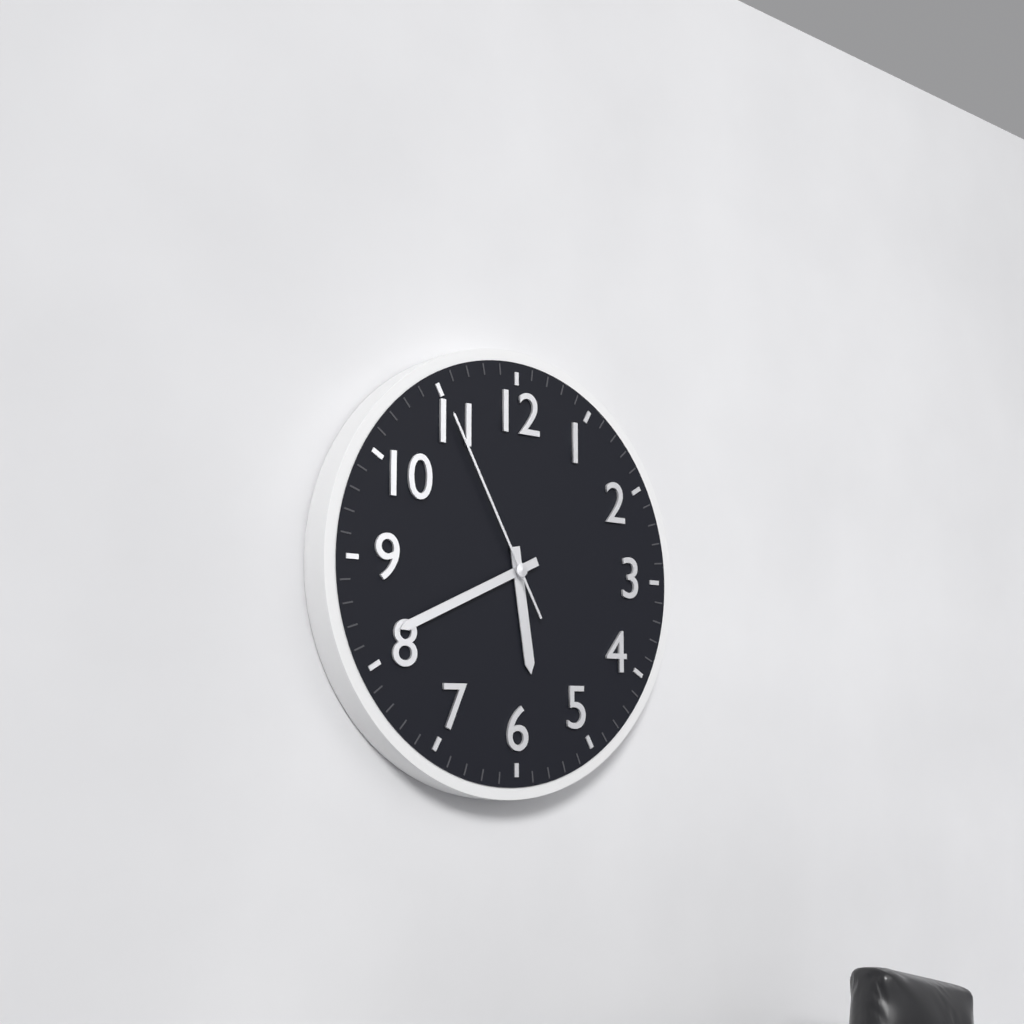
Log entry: 5h41m55s
